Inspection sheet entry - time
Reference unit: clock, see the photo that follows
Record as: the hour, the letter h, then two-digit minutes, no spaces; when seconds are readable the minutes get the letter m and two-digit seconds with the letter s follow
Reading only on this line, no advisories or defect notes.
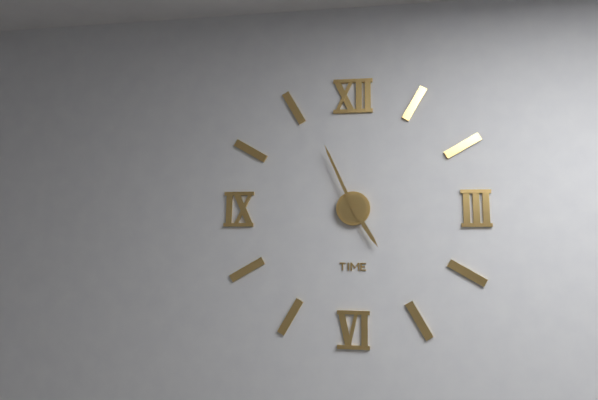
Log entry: 4h56
